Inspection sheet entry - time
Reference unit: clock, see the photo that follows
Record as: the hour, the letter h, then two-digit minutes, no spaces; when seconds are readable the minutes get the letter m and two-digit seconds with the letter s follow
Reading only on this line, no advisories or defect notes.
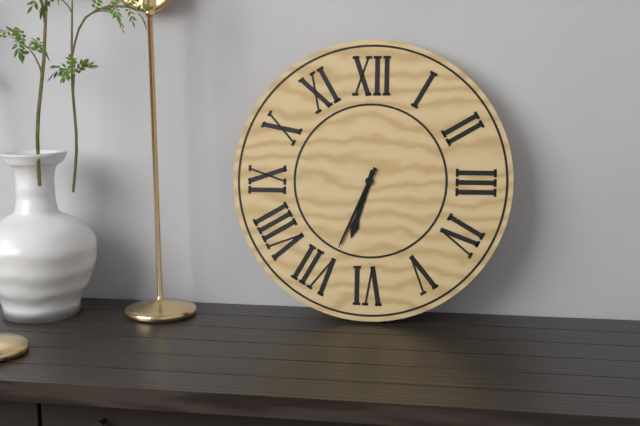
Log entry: 6h34
